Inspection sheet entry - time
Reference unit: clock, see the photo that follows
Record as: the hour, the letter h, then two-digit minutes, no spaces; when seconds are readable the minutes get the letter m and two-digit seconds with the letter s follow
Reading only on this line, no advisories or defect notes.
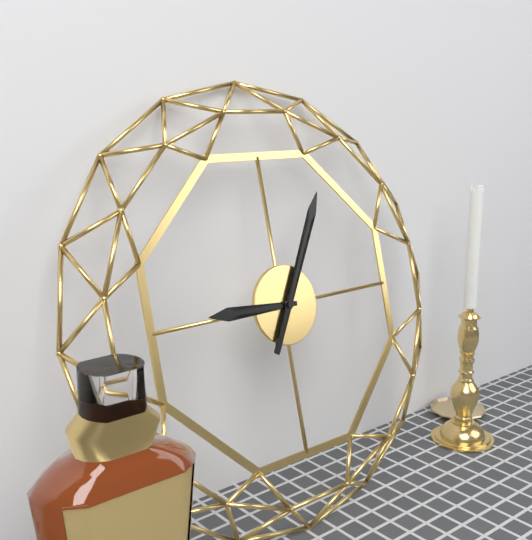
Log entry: 9h05
